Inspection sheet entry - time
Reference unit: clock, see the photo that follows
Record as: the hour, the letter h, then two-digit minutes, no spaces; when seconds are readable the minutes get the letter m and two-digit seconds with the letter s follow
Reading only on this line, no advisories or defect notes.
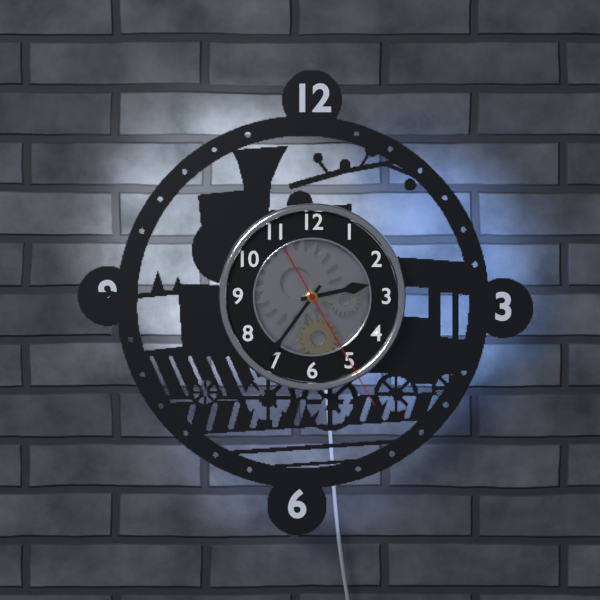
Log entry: 2h36m25s
